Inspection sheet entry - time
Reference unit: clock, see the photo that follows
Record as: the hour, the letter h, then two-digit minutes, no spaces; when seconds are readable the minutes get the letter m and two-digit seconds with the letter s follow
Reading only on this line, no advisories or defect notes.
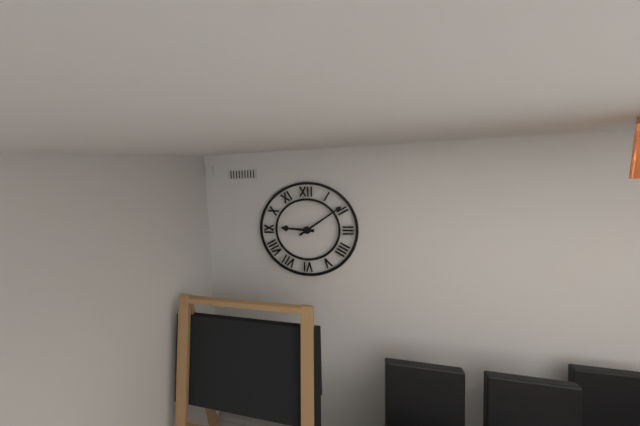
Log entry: 9h09
